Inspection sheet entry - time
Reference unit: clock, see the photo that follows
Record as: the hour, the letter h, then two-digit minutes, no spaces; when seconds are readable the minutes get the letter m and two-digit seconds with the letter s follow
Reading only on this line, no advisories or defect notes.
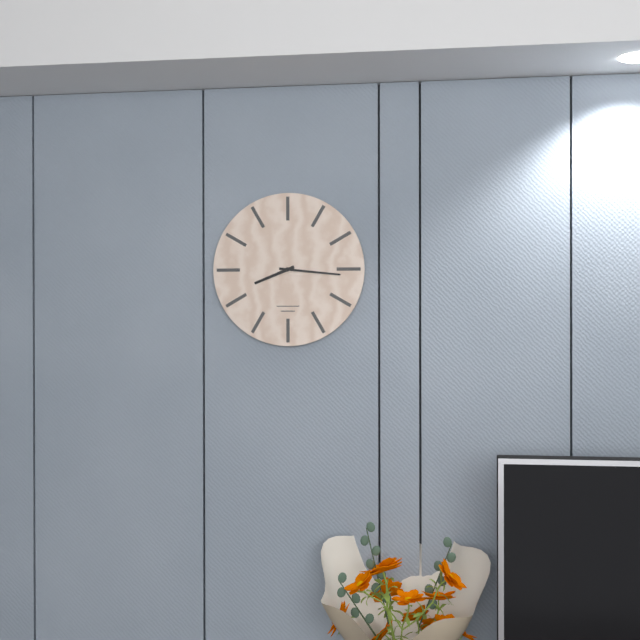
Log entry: 8h16
